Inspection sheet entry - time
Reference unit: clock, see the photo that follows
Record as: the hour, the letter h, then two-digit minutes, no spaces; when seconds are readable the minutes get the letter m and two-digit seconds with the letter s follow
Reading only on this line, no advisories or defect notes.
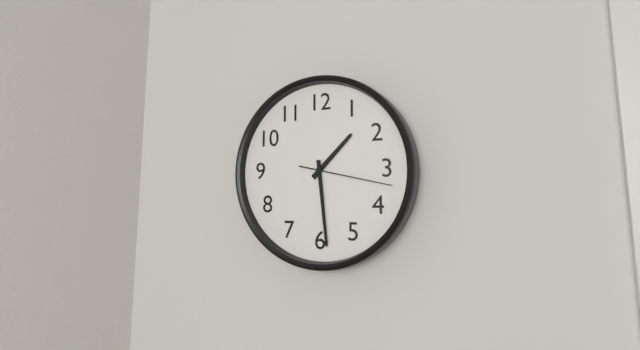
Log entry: 1h29m17s
